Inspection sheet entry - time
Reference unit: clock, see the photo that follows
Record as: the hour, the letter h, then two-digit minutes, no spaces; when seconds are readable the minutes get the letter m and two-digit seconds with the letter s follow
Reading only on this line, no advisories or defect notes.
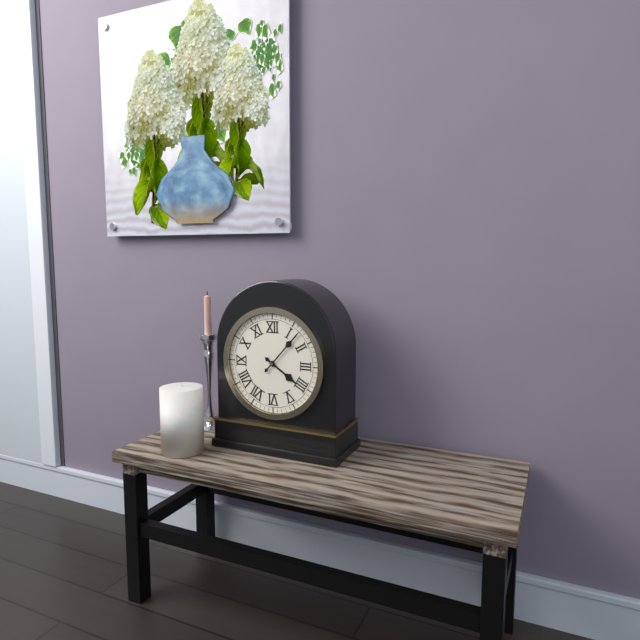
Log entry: 4h07
